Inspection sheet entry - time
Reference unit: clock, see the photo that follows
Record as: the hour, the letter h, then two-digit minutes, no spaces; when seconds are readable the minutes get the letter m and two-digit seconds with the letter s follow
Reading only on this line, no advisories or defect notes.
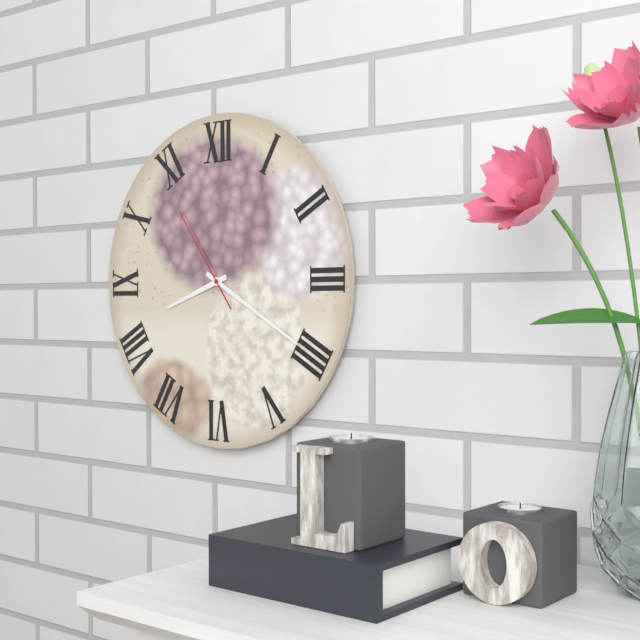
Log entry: 8h20m54s
